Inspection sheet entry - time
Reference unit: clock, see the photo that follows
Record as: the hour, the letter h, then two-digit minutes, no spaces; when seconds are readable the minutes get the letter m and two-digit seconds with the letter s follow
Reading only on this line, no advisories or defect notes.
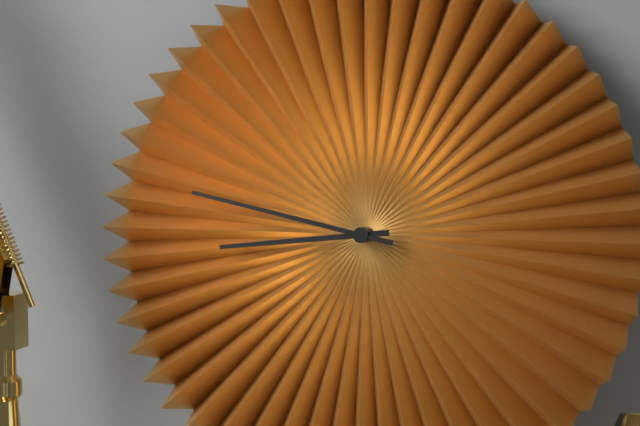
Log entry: 8h47
